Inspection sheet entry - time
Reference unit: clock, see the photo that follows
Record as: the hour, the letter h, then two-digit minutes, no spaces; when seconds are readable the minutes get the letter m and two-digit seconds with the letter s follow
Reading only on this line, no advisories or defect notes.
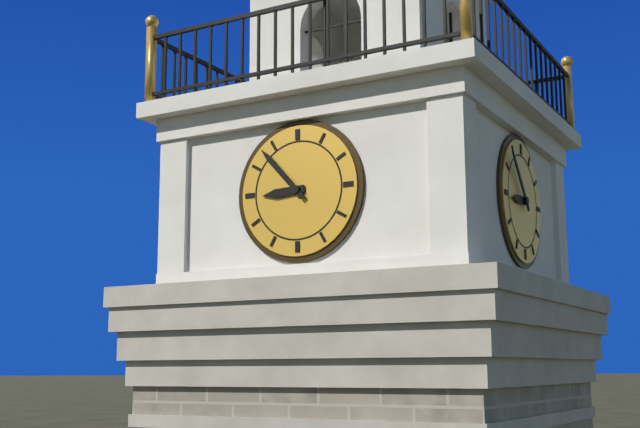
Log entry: 8h53
